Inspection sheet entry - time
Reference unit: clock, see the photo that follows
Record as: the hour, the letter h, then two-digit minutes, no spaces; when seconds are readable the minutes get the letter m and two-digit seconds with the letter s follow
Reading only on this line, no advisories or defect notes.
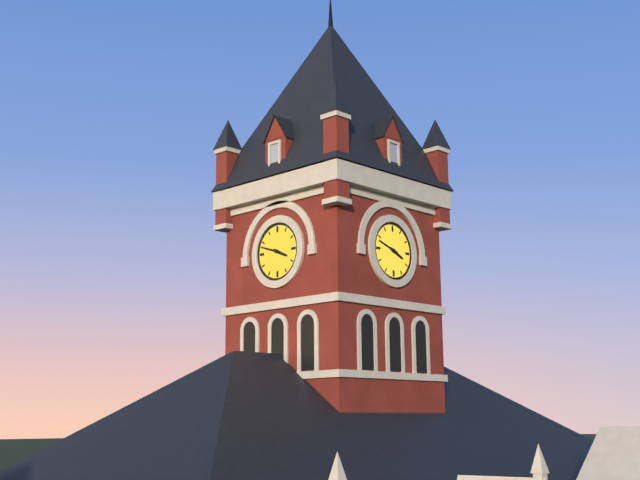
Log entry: 3h48
